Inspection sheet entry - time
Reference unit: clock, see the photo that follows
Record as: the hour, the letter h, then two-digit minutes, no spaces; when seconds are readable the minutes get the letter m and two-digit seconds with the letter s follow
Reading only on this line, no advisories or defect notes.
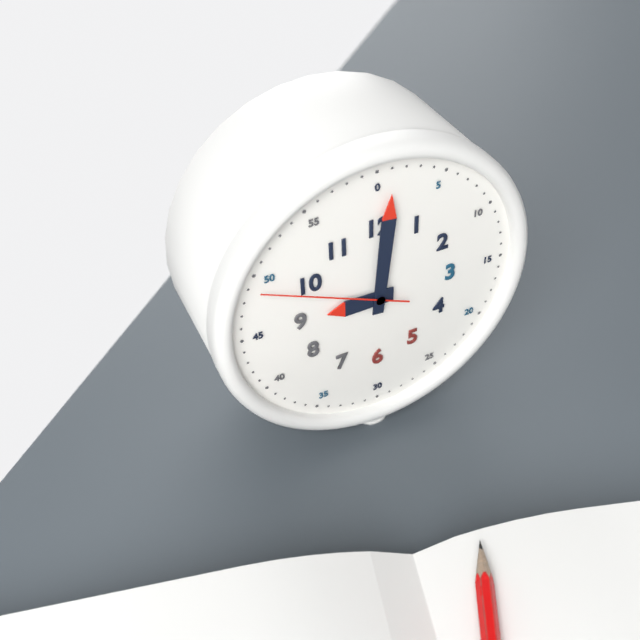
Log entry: 9h01m49s
